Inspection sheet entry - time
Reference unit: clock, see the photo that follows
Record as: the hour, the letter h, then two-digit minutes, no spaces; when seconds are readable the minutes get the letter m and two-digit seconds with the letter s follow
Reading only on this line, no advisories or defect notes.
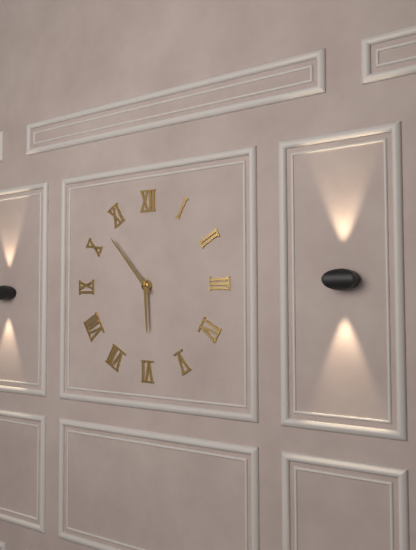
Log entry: 5h53
